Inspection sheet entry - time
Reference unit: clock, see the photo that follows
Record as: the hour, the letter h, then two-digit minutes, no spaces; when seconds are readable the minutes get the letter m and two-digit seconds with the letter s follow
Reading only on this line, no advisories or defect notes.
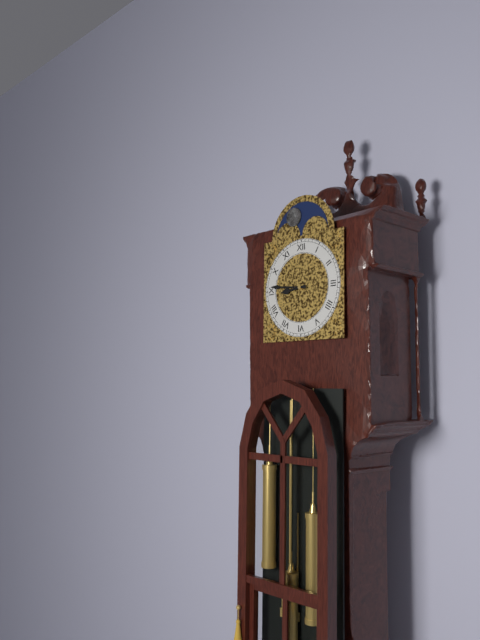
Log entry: 8h46
